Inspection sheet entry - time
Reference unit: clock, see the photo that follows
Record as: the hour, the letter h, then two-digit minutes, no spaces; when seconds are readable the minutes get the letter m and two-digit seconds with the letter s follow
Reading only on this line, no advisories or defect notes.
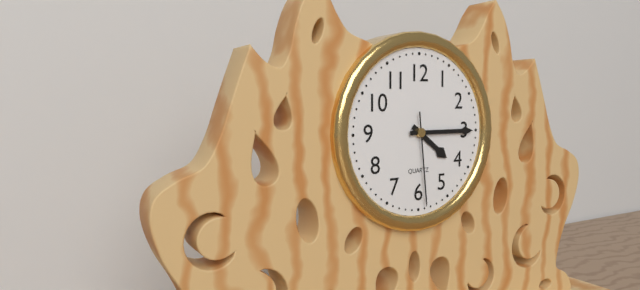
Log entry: 4h15m29s
